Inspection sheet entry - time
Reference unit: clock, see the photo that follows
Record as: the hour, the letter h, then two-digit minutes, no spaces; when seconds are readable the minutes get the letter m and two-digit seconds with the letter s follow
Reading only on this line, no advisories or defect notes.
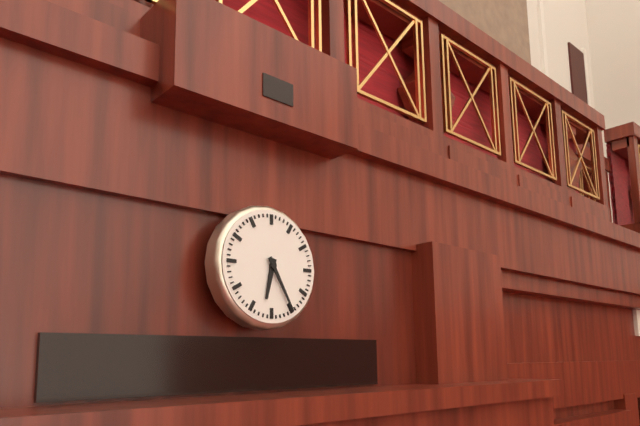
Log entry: 6h25
